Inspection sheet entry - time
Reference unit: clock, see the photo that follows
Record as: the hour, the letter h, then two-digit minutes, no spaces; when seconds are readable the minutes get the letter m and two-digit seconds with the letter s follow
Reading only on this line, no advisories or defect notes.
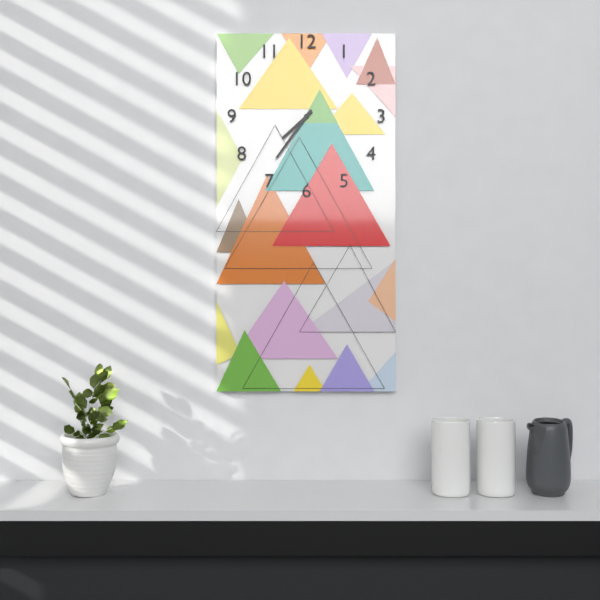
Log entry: 7h36
